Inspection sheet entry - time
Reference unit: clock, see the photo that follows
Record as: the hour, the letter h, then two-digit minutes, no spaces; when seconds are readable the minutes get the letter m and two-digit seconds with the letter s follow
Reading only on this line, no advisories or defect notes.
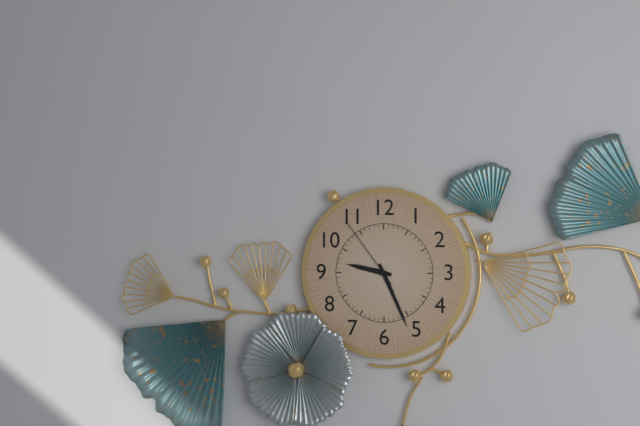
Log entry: 9h26m54s
